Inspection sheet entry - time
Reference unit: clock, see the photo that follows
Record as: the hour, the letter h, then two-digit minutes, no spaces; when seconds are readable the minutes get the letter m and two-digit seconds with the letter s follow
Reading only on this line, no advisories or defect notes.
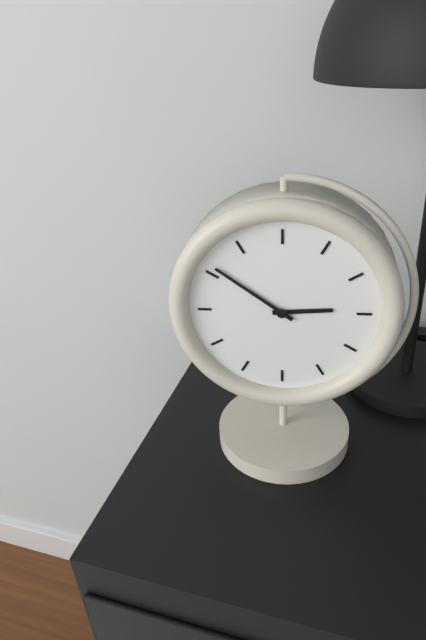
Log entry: 2h51
